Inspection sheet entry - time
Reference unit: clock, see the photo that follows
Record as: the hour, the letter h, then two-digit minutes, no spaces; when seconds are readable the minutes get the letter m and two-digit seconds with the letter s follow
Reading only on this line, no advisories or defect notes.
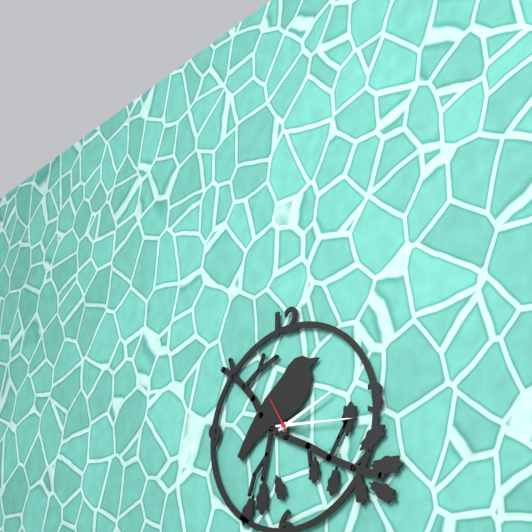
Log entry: 2h16
